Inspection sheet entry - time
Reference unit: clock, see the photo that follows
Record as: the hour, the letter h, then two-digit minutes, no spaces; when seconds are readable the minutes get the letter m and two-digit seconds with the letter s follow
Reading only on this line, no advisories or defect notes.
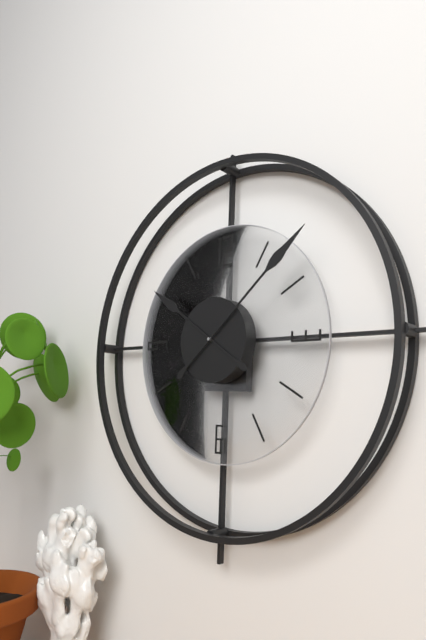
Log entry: 10h08
